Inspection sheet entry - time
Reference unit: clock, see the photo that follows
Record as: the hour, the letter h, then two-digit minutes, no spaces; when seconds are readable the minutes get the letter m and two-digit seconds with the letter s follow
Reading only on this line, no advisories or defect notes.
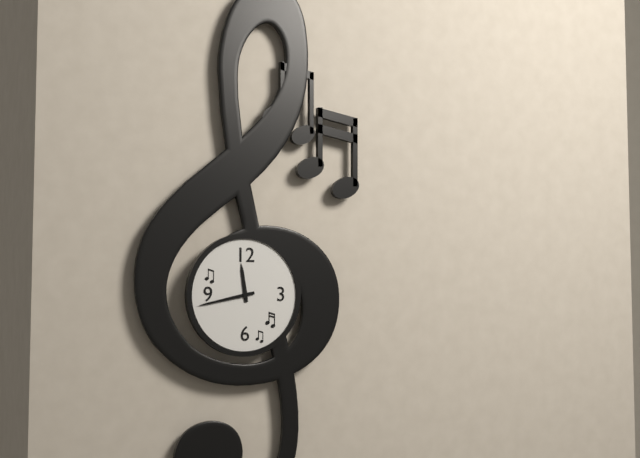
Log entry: 11h43
